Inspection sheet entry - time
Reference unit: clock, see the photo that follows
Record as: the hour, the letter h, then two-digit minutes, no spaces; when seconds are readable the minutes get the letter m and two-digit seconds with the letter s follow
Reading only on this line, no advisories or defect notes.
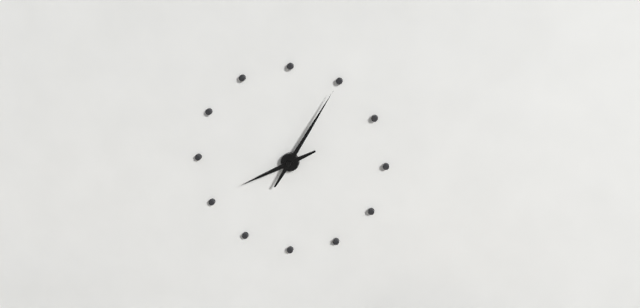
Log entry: 8h05
